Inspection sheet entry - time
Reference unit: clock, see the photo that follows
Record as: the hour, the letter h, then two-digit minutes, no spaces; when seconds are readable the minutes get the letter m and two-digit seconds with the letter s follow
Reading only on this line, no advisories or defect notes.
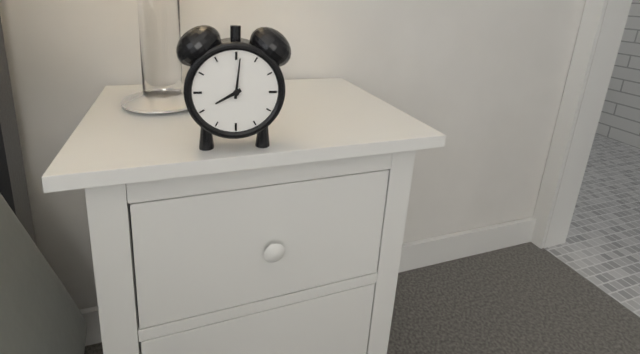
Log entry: 8h01
